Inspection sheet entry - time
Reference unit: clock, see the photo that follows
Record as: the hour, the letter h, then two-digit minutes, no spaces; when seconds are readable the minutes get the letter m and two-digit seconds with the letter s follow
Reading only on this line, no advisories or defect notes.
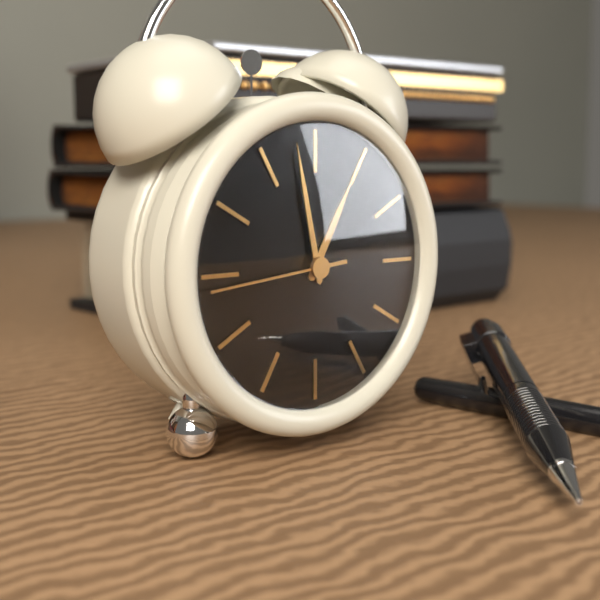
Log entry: 12h58m44s
